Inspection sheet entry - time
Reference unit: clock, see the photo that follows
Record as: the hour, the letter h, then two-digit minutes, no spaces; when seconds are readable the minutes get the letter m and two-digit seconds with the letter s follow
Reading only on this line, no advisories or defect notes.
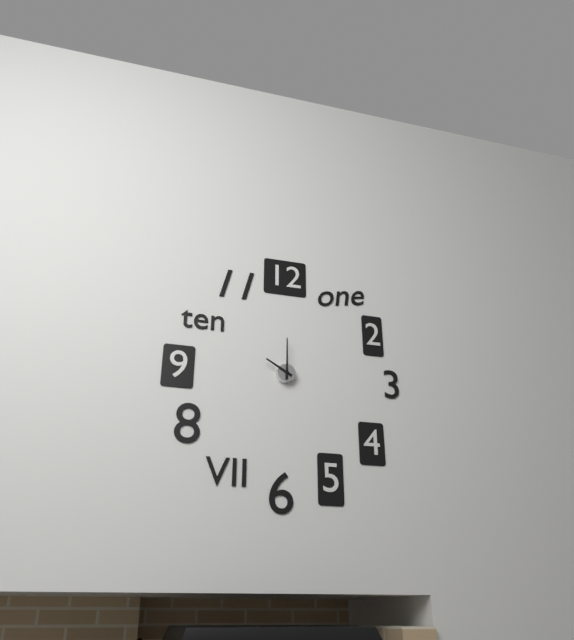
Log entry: 10h00
